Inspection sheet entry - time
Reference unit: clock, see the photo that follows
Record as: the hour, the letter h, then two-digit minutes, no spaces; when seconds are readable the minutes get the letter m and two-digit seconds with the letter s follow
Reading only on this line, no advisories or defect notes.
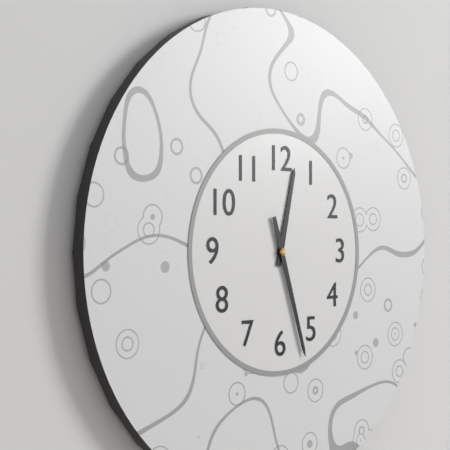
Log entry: 12h27
